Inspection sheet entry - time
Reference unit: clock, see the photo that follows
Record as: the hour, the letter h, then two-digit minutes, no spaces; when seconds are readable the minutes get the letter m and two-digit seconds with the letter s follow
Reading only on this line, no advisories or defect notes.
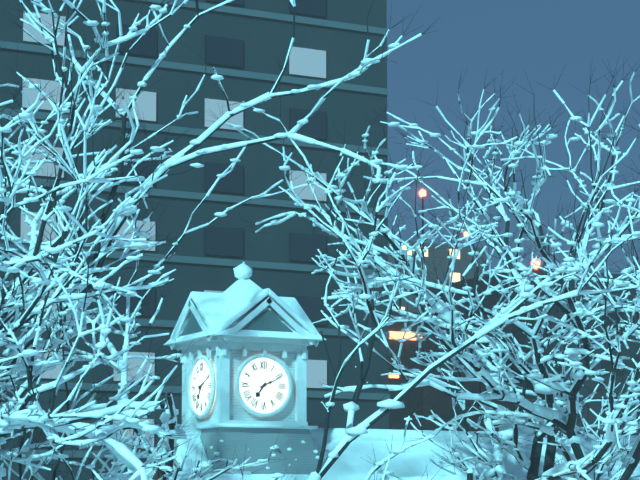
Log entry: 7h11
